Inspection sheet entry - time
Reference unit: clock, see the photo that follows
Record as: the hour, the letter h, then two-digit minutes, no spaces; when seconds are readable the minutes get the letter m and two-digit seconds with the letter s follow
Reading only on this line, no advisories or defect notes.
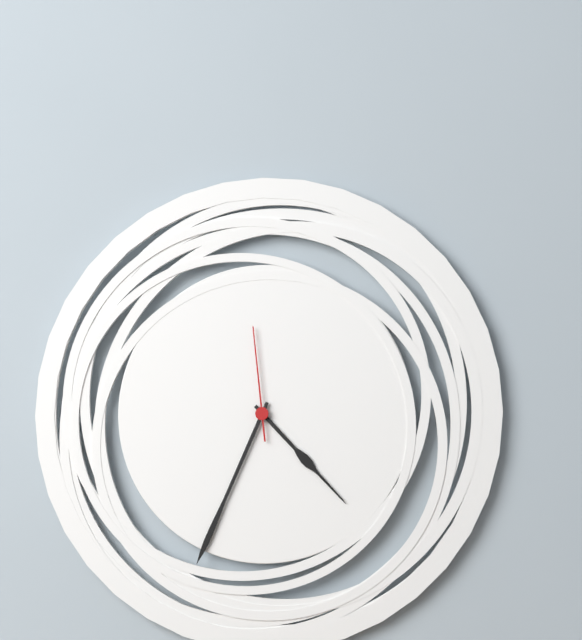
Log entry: 4h34m59s
